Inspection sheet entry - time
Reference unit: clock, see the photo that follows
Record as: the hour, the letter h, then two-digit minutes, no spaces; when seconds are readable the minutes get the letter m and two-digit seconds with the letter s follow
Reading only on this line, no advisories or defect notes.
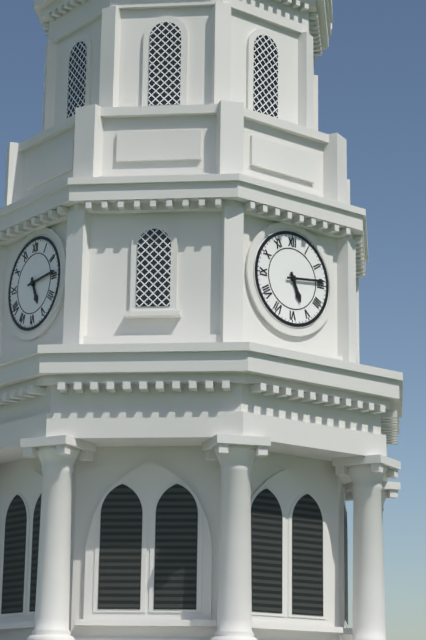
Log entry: 5h14
